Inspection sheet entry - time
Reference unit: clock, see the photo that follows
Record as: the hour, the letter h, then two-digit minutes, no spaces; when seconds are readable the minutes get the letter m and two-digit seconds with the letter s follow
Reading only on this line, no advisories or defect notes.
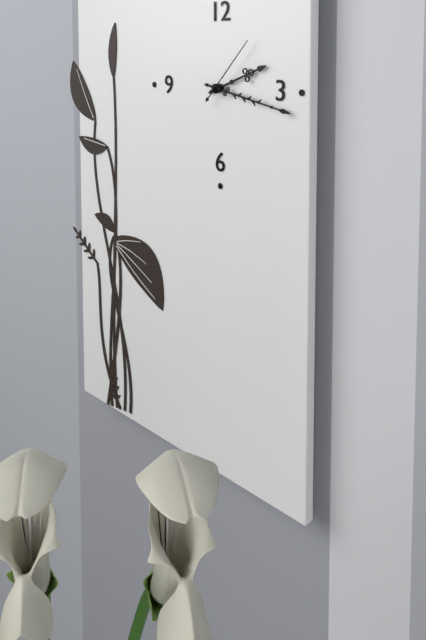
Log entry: 2h17m07s
